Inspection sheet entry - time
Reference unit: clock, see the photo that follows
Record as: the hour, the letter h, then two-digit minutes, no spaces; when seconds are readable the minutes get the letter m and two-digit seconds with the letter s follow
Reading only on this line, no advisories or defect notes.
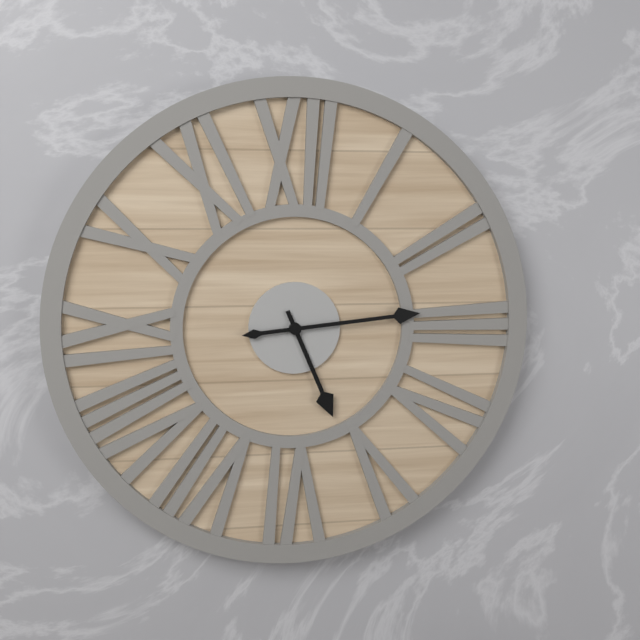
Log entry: 5h14
